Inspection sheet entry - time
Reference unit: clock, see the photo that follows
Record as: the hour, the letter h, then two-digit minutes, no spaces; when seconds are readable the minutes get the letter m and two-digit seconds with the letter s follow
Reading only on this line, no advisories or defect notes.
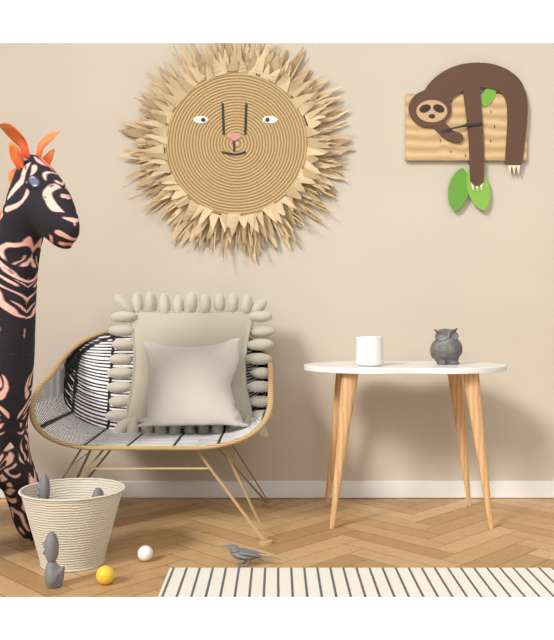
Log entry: 2h43
